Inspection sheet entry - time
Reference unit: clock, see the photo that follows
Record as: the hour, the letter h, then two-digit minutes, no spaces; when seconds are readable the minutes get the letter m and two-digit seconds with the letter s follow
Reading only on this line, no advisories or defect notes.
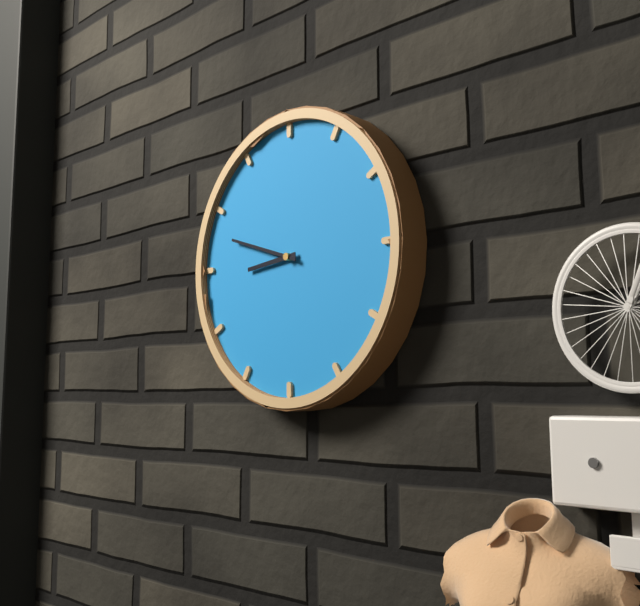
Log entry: 8h48
